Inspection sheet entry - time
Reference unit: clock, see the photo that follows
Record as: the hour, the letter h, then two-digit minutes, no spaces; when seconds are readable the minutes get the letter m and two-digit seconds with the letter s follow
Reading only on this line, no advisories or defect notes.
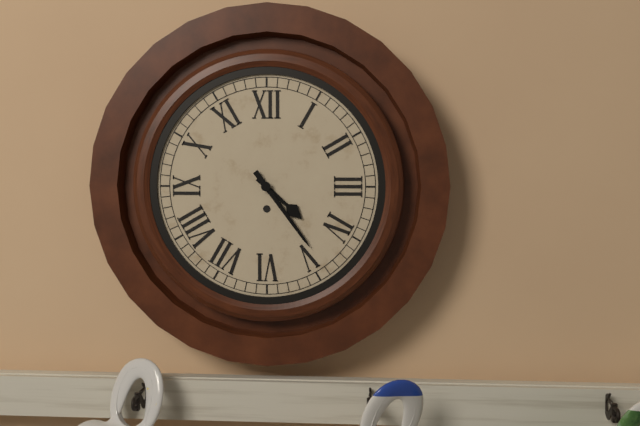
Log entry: 4h24
